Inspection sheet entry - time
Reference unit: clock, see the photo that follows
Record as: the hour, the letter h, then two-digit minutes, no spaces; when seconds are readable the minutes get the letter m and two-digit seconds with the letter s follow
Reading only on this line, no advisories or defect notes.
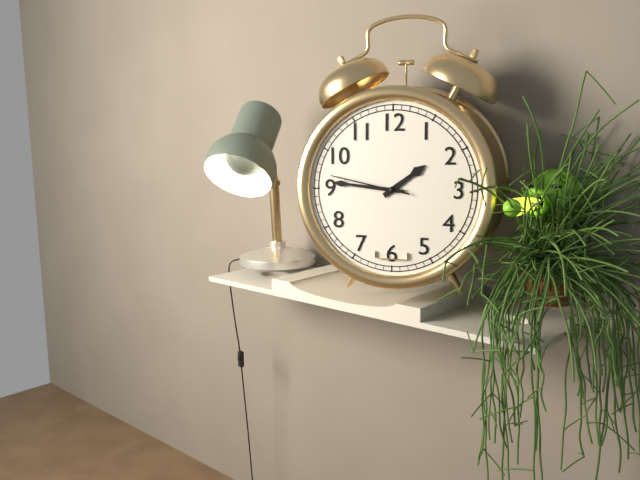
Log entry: 1h46m47s
